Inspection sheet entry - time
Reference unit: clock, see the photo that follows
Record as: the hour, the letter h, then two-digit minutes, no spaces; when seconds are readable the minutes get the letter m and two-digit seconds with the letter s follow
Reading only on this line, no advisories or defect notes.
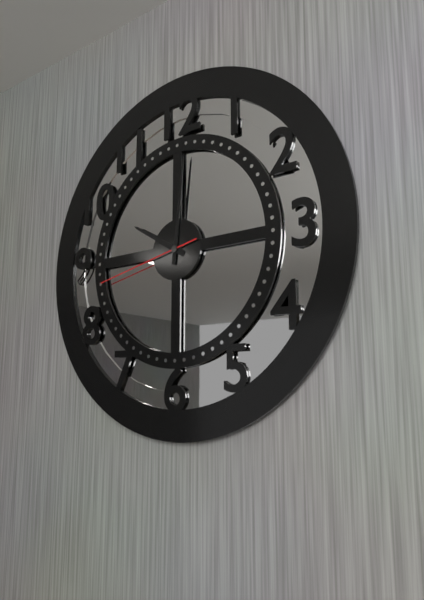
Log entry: 10h01m43s
